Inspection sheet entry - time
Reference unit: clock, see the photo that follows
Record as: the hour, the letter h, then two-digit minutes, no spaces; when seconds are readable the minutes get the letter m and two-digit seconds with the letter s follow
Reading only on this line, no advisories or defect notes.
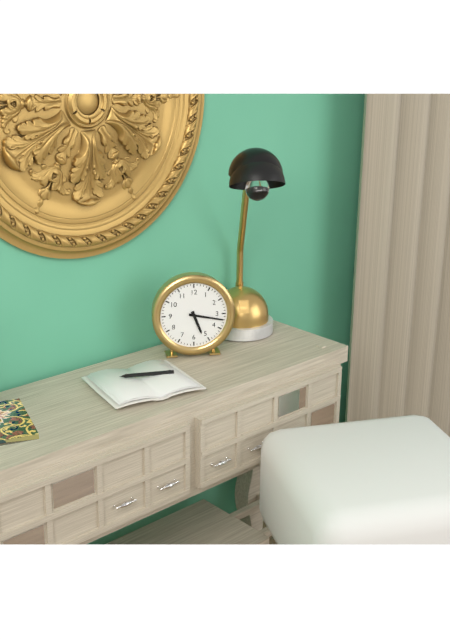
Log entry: 5h17
